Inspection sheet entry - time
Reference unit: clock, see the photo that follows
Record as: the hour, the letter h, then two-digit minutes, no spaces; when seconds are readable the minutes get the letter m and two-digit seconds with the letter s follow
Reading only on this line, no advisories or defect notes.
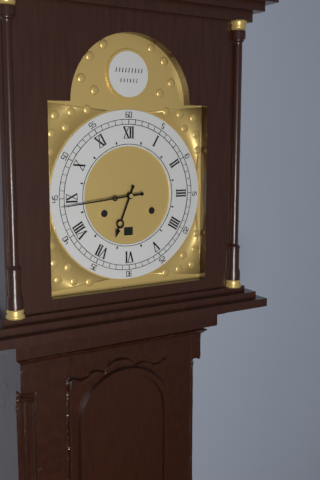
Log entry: 6h44
